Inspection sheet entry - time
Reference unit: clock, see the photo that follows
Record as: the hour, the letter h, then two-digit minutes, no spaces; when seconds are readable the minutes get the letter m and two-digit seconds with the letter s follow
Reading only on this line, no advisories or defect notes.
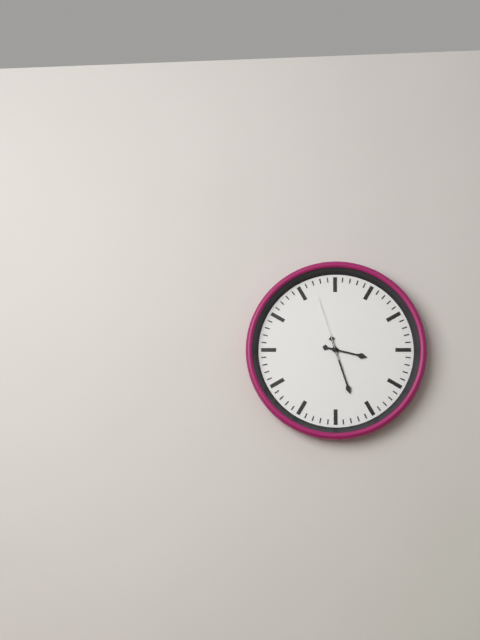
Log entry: 3h27m57s
